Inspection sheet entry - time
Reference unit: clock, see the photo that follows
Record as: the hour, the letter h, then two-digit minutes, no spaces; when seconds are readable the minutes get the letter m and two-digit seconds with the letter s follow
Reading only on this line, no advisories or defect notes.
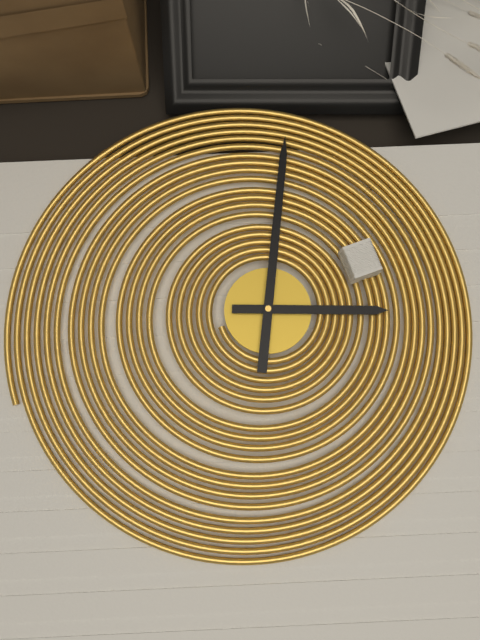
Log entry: 3h01
